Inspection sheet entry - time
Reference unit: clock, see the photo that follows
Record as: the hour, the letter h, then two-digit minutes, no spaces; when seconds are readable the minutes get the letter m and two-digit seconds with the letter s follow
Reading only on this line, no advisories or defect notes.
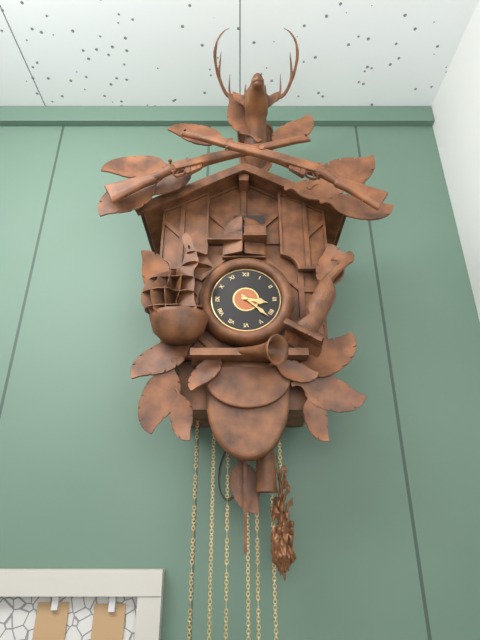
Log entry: 3h22
